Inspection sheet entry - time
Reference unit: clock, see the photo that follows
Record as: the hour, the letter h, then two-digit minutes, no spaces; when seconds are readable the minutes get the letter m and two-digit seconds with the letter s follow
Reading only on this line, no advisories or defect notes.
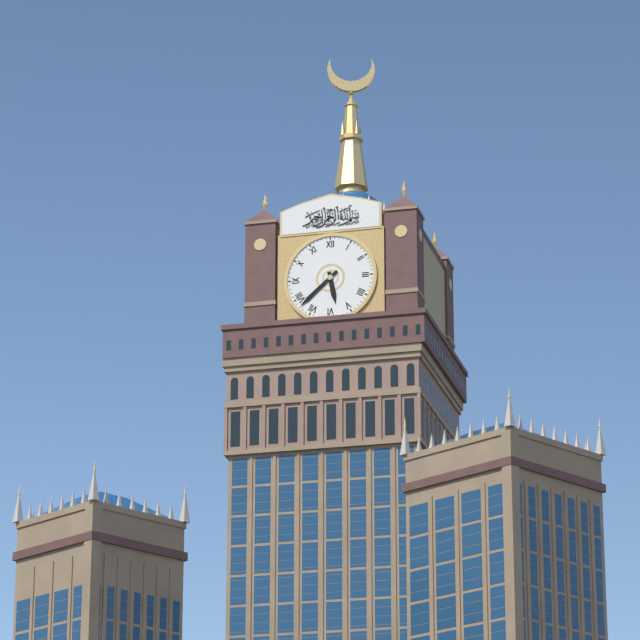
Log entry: 5h38
